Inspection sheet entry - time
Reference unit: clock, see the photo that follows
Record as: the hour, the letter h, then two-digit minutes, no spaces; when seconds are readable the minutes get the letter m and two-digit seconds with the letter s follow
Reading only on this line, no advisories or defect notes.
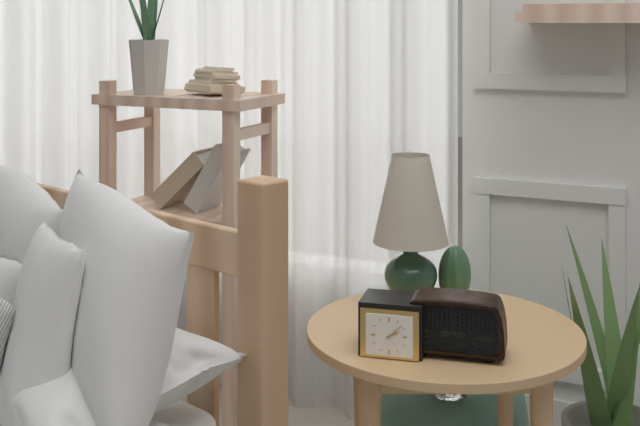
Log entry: 2h08
